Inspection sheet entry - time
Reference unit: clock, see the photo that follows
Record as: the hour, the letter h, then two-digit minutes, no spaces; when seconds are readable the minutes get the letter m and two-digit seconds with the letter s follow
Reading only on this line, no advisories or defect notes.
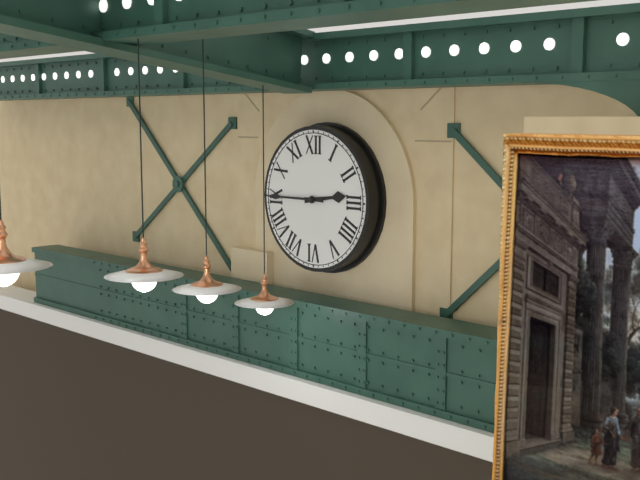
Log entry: 2h45
